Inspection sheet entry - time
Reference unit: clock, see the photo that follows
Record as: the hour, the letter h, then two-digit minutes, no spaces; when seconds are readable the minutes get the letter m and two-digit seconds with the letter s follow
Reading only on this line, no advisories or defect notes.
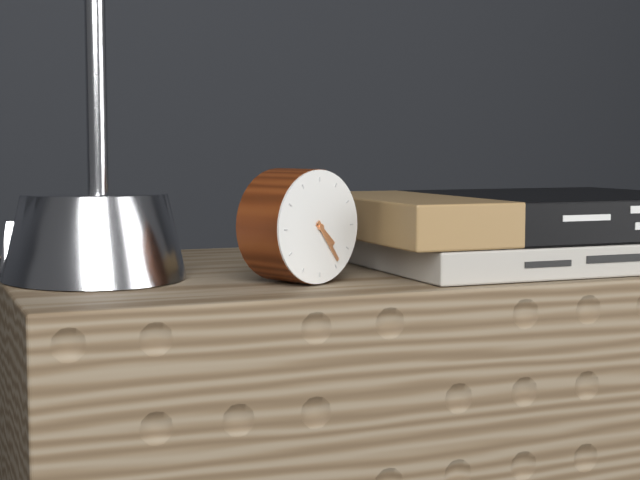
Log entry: 4h24
